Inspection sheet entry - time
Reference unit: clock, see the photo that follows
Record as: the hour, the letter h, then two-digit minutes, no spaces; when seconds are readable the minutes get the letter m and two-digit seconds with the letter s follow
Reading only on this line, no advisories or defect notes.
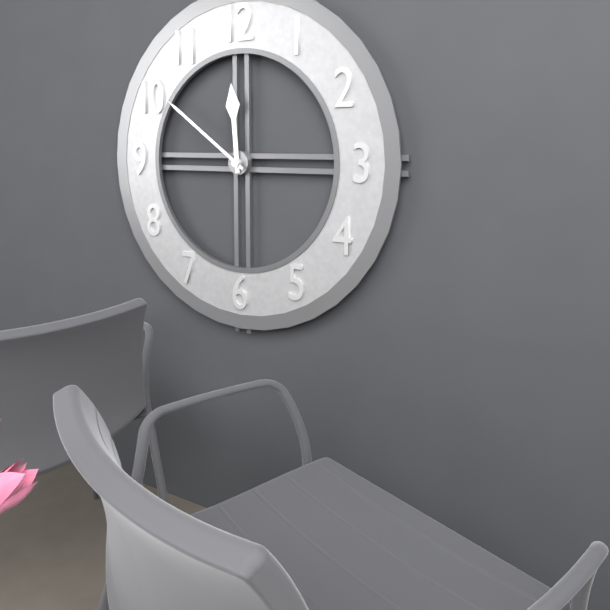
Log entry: 11h51
